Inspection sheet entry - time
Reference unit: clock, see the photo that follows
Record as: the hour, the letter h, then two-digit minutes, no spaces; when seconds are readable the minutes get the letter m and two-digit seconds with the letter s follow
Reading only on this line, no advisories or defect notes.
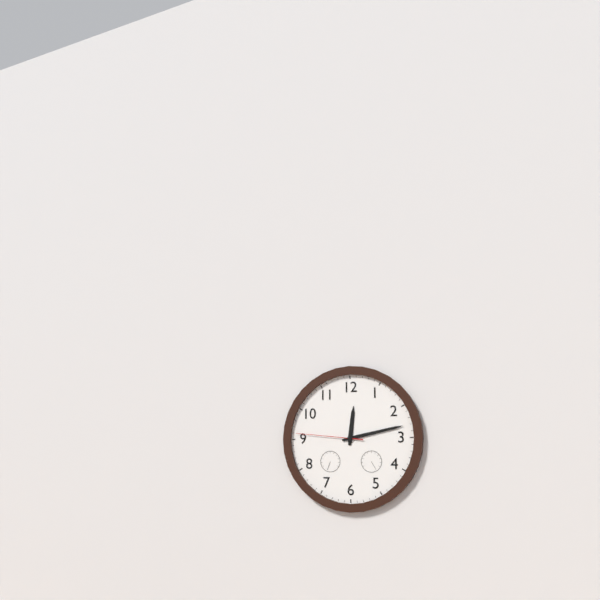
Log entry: 12h13m46s
